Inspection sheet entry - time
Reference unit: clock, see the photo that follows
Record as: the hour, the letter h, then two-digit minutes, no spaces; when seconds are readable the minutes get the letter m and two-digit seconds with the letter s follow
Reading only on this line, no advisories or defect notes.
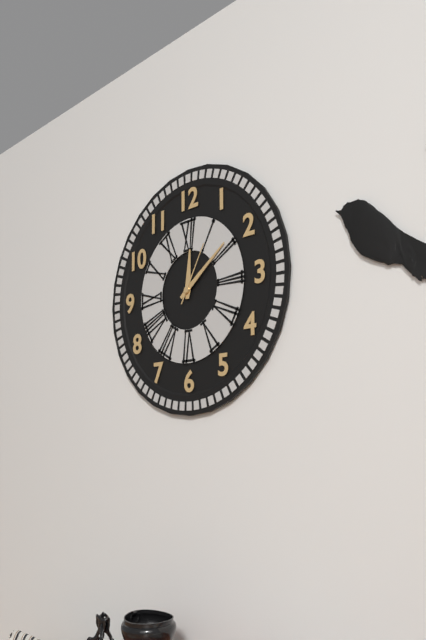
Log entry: 12h09m05s
